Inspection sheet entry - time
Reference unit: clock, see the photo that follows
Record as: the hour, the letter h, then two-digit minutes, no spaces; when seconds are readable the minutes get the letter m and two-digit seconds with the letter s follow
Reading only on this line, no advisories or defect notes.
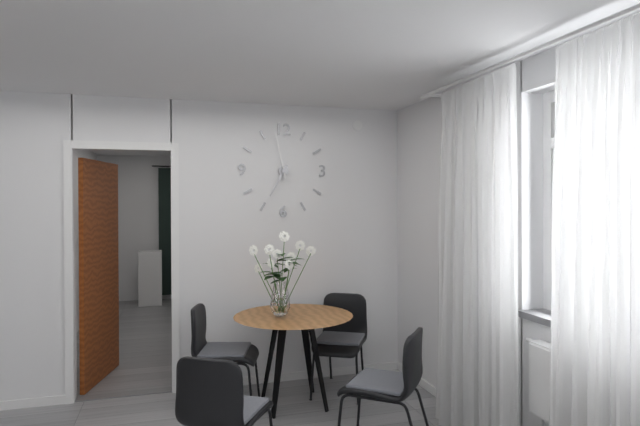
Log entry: 6h58
